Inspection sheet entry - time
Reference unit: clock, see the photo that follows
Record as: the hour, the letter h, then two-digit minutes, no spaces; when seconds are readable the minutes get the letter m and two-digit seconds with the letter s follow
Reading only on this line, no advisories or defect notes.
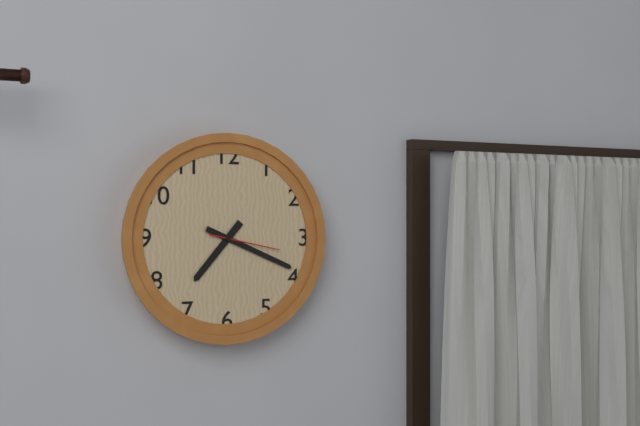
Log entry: 7h19m17s
